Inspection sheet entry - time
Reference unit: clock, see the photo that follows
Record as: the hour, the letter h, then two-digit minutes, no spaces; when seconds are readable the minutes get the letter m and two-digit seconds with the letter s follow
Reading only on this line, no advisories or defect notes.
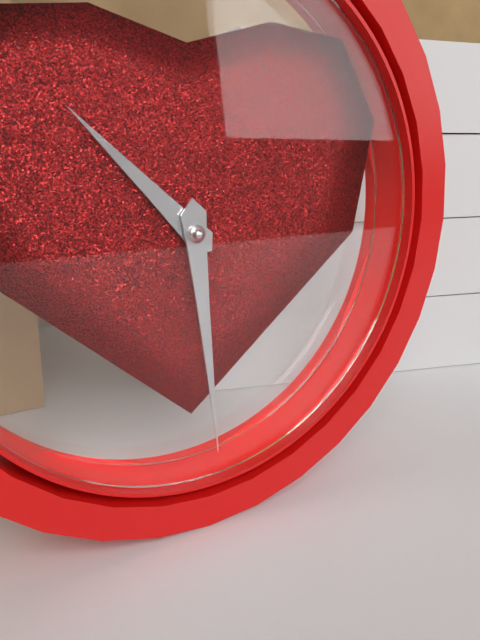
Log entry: 10h29
